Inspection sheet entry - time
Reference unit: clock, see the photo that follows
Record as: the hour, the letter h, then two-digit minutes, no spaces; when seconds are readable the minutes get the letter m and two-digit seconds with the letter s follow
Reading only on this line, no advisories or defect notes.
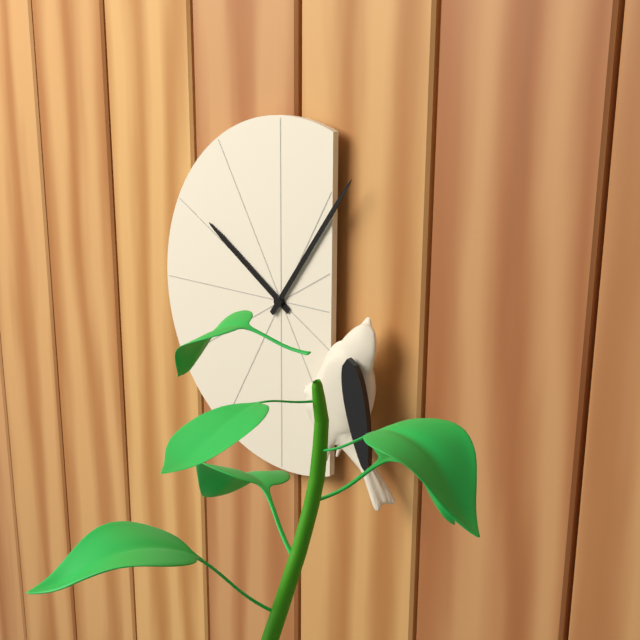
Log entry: 10h06
